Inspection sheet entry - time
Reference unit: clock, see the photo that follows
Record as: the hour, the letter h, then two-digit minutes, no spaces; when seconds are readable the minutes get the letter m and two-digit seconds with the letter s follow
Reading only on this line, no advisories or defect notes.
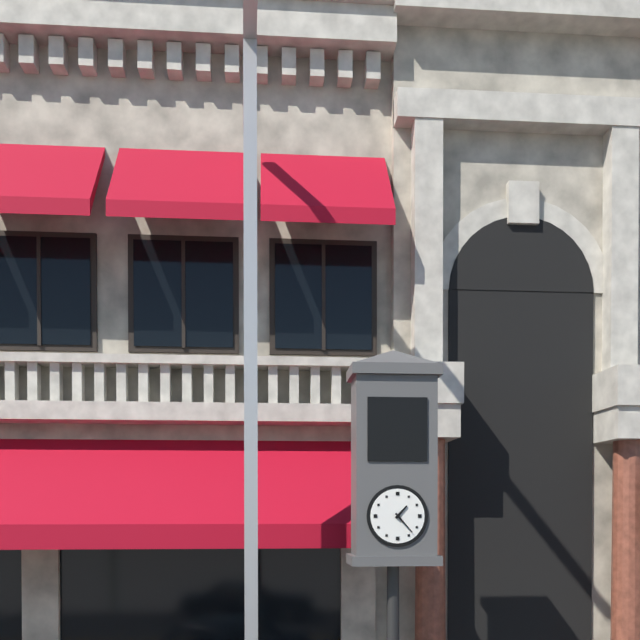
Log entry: 1h23
